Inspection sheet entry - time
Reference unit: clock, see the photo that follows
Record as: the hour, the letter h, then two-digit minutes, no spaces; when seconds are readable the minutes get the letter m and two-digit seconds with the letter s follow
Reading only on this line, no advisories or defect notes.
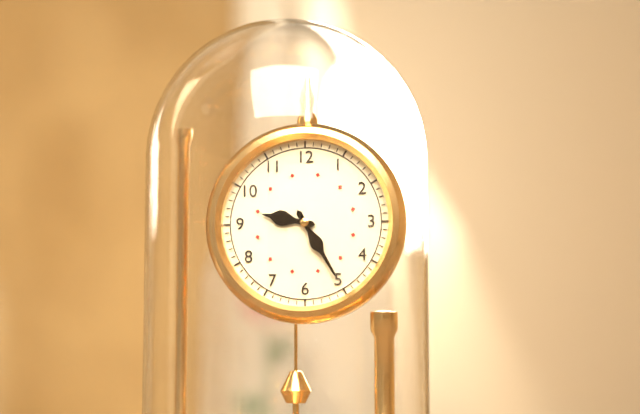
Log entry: 9h25
